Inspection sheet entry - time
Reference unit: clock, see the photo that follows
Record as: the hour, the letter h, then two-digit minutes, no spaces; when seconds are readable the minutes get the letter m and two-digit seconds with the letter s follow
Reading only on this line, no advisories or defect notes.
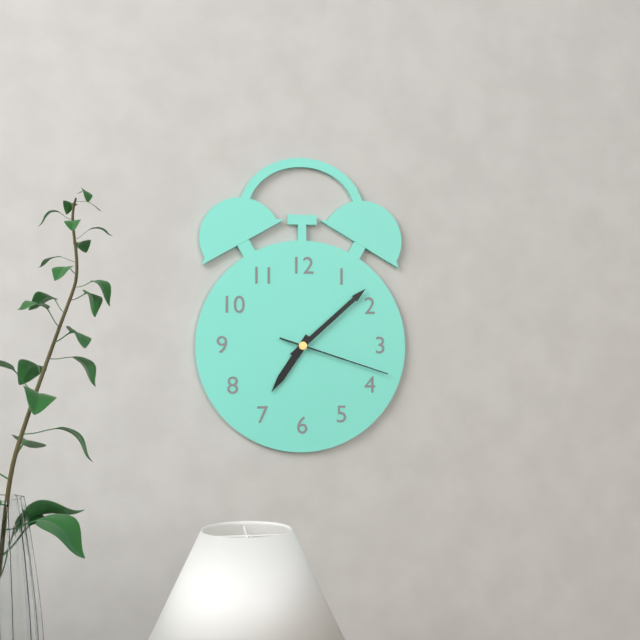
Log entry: 7h08m18s
